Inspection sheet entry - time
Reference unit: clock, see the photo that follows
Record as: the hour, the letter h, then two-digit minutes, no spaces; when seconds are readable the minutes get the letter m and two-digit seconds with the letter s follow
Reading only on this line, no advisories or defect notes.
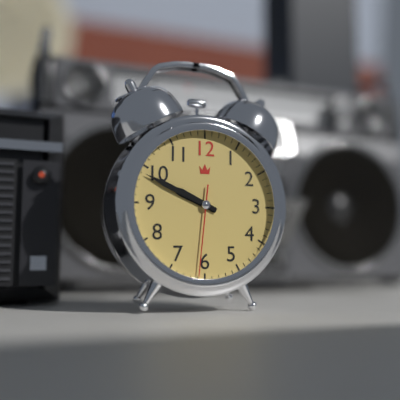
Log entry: 9h49m31s
